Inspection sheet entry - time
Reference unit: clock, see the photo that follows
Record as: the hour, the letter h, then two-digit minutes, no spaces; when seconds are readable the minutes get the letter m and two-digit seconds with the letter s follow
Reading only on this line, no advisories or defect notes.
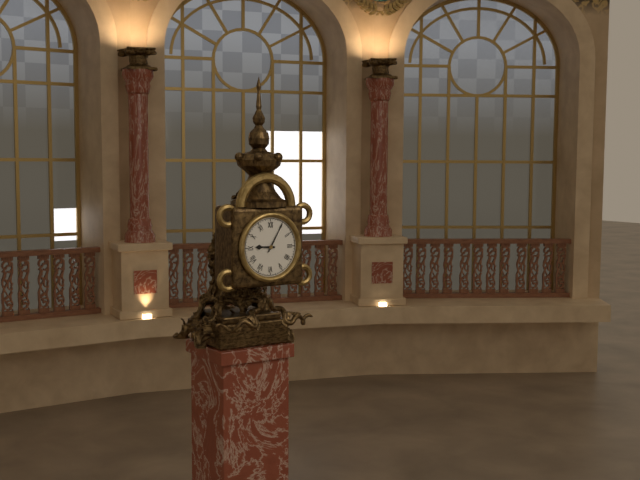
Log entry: 9h05
